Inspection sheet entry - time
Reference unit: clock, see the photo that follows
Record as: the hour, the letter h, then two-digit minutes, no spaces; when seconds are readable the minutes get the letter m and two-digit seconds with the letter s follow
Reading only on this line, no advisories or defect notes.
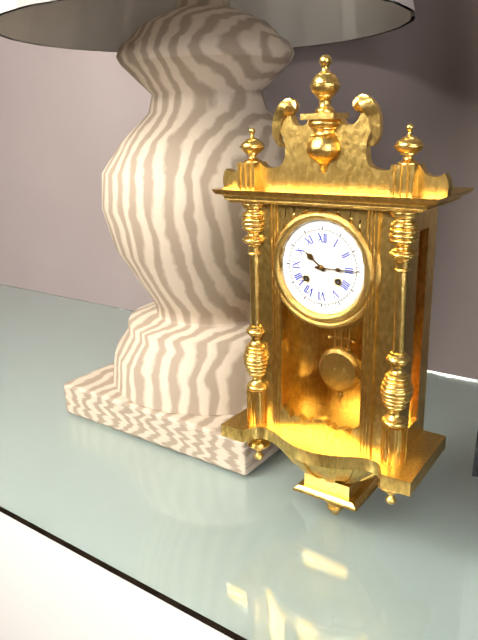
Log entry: 10h15
